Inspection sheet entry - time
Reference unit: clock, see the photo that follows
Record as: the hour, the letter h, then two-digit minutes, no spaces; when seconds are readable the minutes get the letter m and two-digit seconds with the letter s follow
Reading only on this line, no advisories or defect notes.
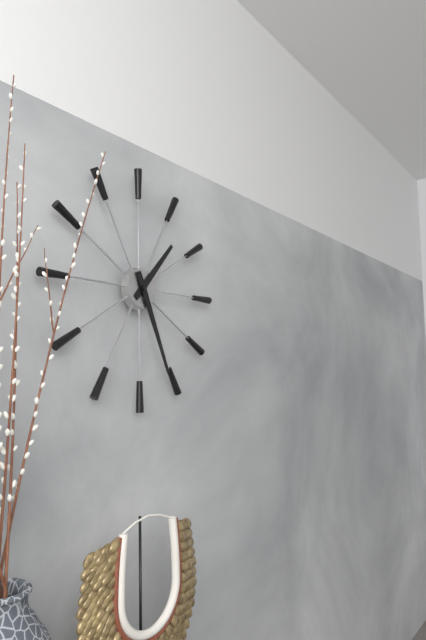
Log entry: 1h26
